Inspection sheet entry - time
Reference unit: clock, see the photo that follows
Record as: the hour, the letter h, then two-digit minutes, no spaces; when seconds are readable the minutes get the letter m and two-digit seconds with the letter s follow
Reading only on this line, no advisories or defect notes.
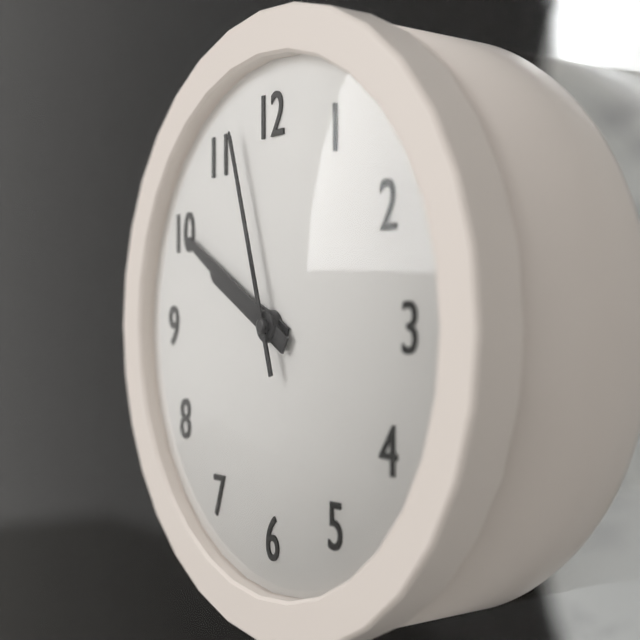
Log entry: 9h50m57s
